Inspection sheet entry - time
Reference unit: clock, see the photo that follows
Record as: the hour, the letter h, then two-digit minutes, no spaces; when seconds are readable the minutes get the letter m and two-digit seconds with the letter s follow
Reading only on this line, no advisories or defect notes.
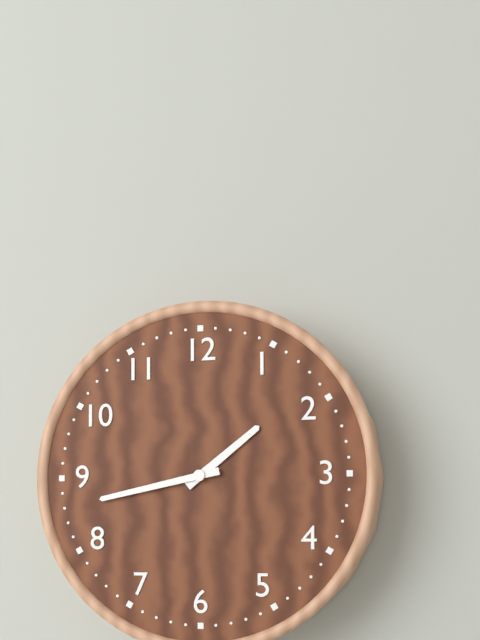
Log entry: 1h43
